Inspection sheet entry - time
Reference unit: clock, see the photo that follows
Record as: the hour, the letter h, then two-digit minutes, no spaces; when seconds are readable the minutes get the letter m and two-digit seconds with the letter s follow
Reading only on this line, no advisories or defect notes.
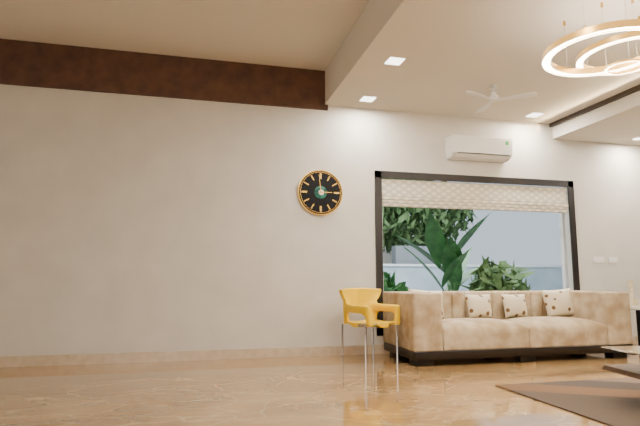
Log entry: 2h59
